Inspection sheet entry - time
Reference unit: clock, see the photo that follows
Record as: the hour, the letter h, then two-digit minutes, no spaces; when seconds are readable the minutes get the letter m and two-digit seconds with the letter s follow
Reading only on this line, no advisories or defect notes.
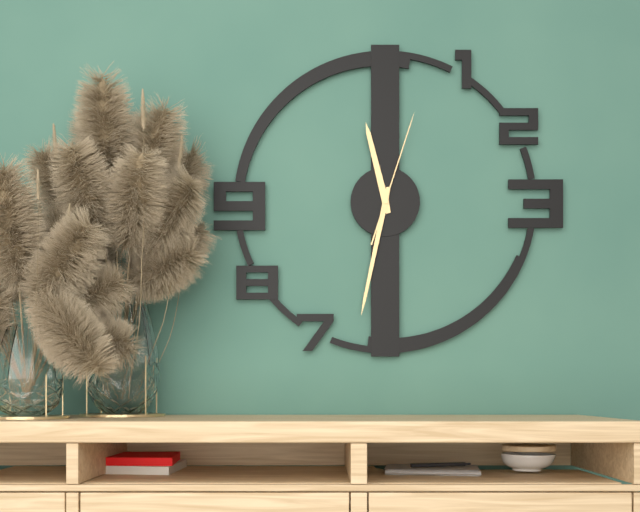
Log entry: 11h32m03s
